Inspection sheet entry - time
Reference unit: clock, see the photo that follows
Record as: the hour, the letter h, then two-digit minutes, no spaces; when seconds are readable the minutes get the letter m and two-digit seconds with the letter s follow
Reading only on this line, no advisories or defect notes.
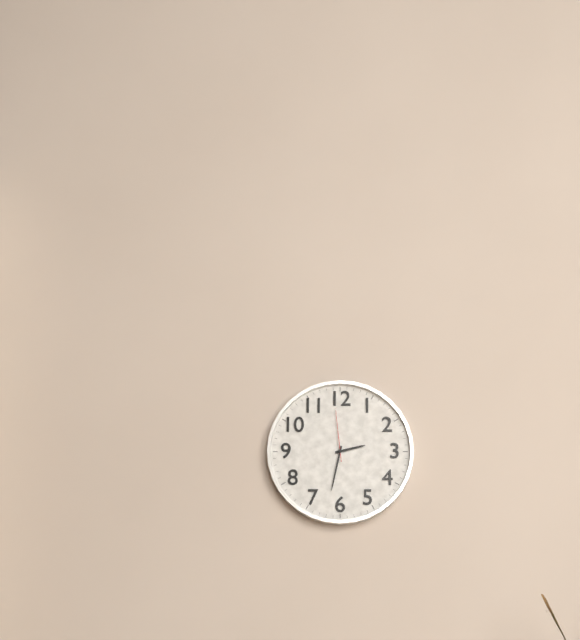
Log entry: 2h32m59s
